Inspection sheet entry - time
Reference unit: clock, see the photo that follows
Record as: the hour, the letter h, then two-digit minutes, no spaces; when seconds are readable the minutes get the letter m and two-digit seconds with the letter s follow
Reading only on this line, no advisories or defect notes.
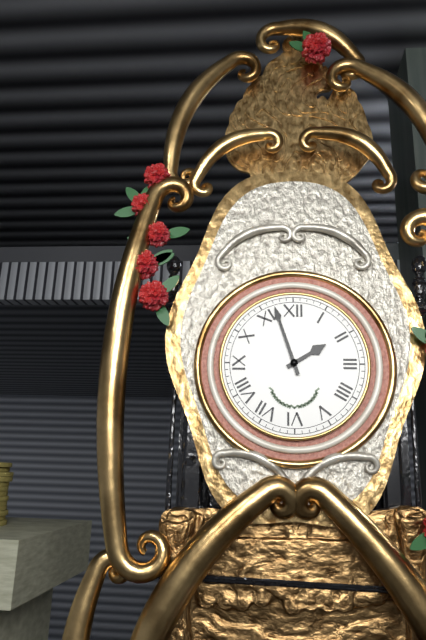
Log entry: 1h57
